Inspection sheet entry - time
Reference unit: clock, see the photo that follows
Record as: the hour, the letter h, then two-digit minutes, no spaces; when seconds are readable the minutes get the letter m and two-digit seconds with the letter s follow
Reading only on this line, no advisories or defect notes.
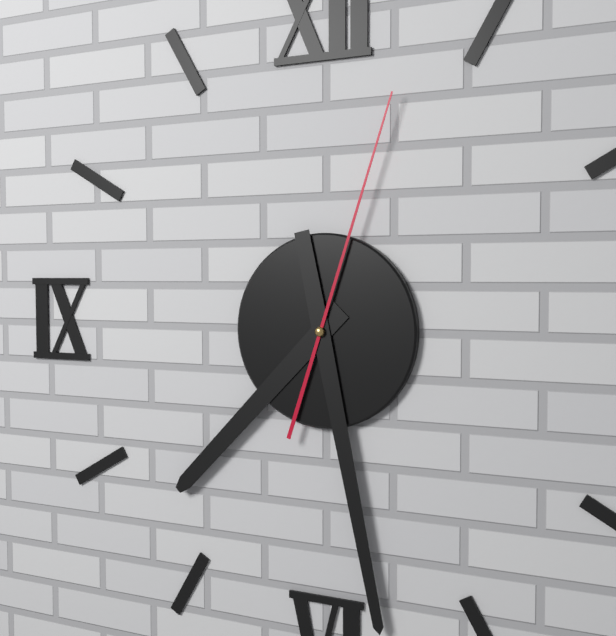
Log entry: 7h28m03s
